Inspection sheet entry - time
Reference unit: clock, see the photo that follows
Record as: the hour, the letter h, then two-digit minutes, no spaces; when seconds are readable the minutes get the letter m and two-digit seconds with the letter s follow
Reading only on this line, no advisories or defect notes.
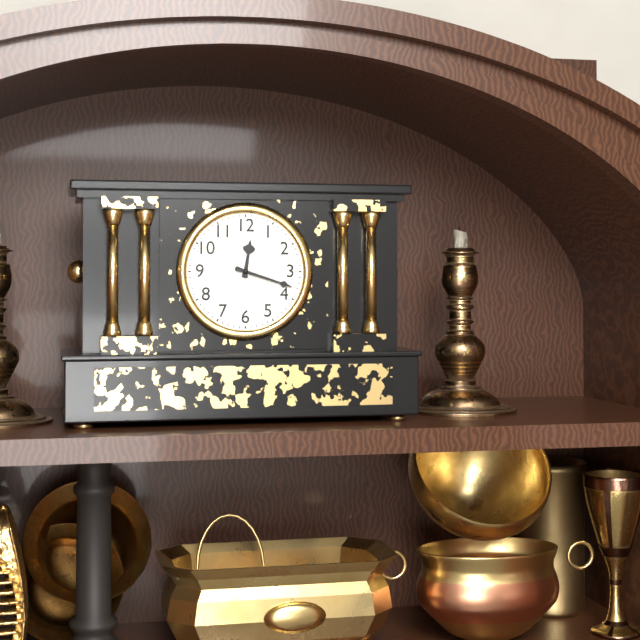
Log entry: 12h18
